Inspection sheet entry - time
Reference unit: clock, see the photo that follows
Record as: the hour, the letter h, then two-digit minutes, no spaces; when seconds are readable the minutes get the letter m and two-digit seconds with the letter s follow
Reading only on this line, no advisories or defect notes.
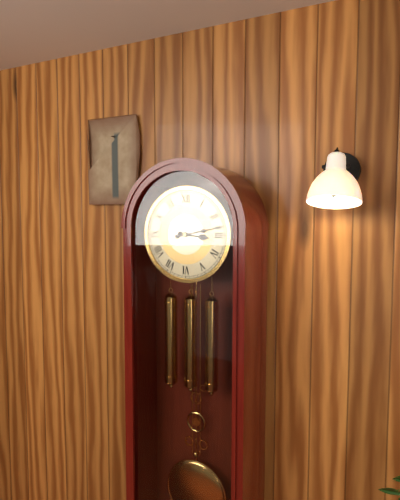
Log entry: 3h13
